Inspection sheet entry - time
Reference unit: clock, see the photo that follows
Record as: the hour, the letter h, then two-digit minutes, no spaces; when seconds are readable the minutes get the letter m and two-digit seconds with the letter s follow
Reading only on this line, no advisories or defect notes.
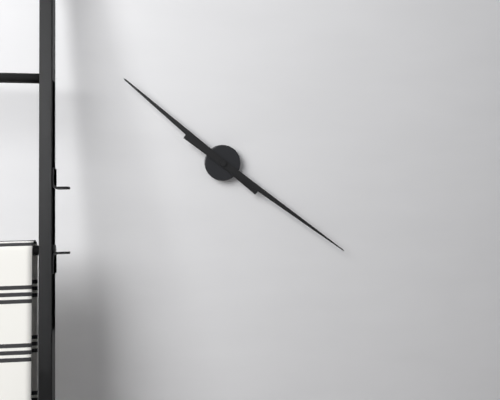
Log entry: 10h21
